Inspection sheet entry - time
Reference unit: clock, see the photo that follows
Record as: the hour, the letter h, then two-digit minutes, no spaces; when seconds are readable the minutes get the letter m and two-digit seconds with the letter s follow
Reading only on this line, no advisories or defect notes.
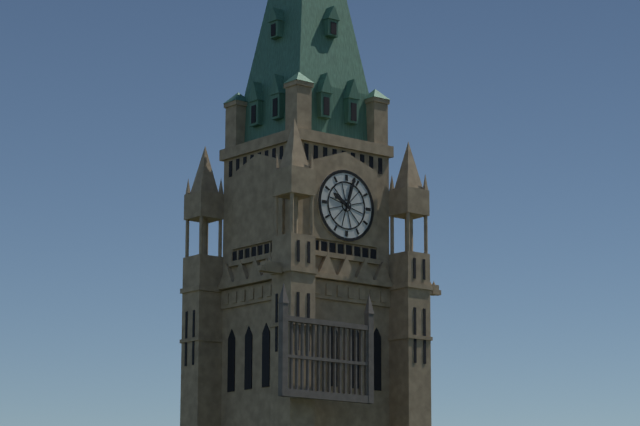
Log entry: 10h03
